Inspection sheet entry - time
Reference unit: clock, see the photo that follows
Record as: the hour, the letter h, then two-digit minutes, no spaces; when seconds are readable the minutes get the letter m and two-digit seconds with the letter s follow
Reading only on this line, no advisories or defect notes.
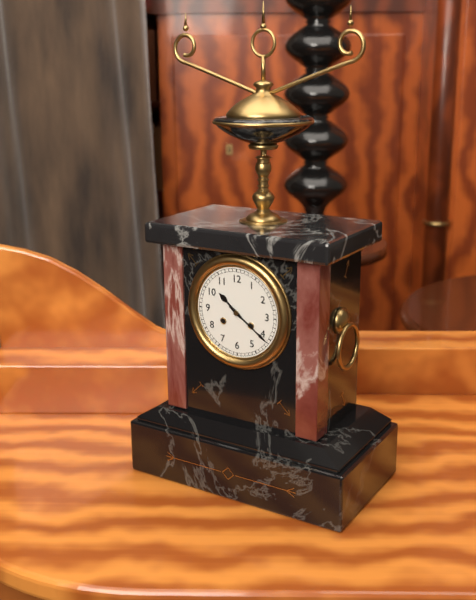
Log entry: 10h21
